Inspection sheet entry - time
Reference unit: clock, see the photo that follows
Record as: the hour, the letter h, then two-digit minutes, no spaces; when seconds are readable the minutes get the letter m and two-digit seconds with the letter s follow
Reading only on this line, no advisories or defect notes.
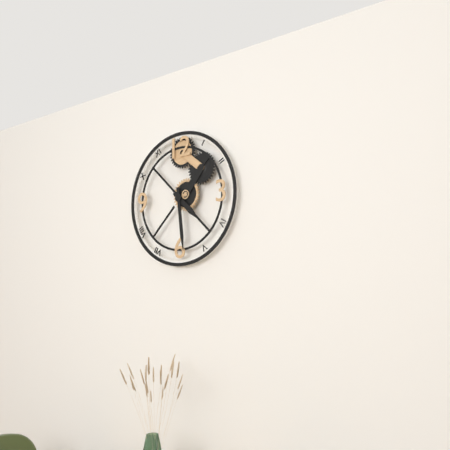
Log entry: 4h29
